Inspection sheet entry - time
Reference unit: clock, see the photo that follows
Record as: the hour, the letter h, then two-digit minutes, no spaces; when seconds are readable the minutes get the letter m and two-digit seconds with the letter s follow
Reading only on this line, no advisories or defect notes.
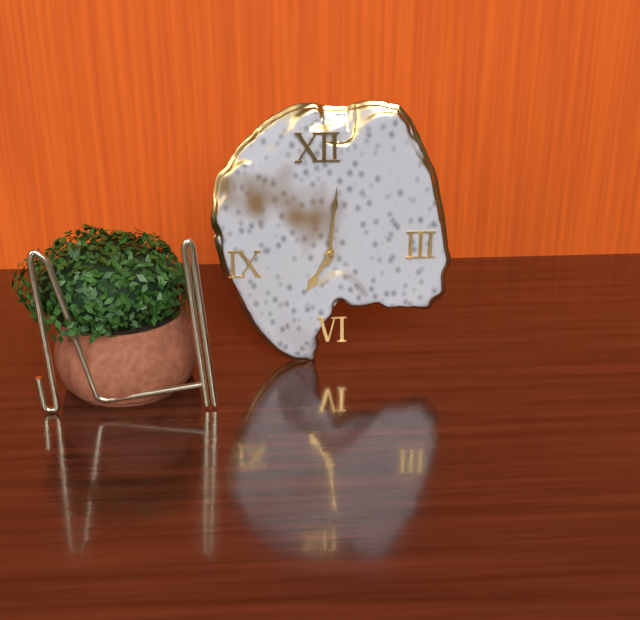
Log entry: 7h01
